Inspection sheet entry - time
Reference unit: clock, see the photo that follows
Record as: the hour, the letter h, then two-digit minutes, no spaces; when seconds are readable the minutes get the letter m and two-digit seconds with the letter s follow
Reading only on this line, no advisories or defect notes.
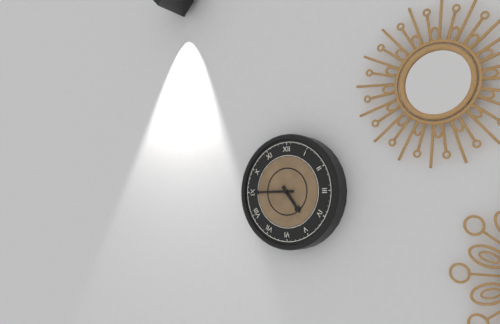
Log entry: 4h45
